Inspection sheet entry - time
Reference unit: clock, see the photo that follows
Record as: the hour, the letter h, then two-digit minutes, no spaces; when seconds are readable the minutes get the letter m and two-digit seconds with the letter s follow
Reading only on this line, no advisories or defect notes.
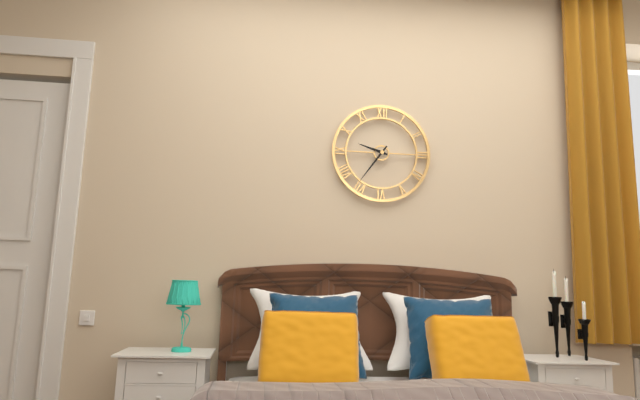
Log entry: 9h36
